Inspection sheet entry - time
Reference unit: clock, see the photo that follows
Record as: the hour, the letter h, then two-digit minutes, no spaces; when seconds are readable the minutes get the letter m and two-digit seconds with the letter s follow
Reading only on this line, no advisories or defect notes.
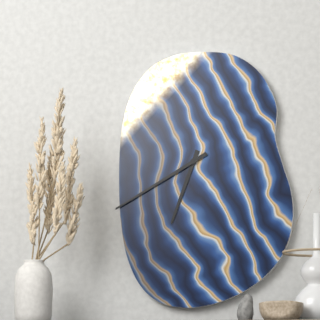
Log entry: 6h40
